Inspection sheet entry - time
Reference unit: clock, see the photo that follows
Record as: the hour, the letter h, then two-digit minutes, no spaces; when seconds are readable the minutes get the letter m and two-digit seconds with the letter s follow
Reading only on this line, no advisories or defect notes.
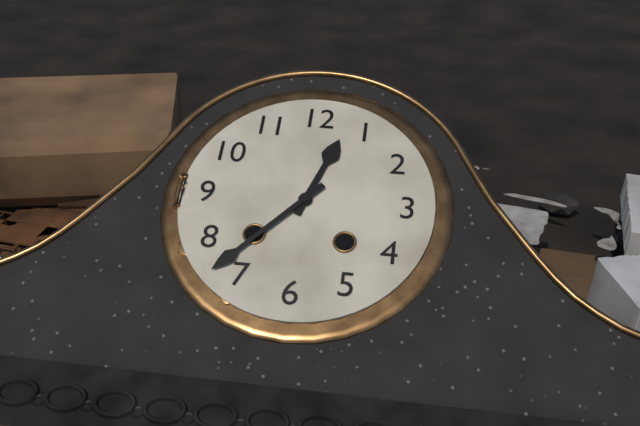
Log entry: 12h37
